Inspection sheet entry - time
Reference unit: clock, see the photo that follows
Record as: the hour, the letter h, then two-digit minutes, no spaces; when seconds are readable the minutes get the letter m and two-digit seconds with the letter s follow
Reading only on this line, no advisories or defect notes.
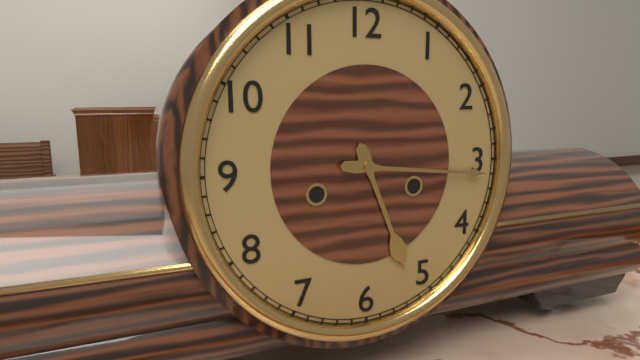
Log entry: 5h16
